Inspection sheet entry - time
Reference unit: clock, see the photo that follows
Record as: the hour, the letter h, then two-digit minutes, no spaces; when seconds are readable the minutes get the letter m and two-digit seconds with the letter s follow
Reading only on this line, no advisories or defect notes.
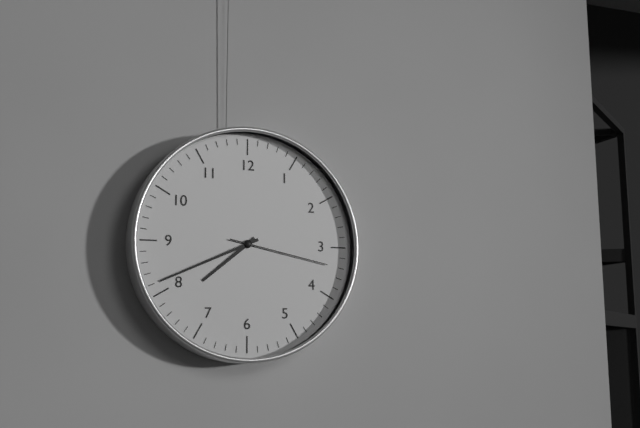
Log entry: 7h41m17s
